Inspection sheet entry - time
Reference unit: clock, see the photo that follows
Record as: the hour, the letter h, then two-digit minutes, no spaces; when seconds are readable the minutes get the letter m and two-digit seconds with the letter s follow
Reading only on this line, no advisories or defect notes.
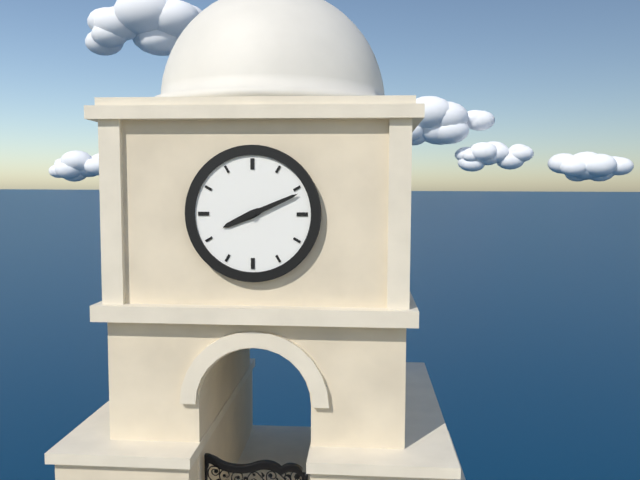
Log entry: 8h11
